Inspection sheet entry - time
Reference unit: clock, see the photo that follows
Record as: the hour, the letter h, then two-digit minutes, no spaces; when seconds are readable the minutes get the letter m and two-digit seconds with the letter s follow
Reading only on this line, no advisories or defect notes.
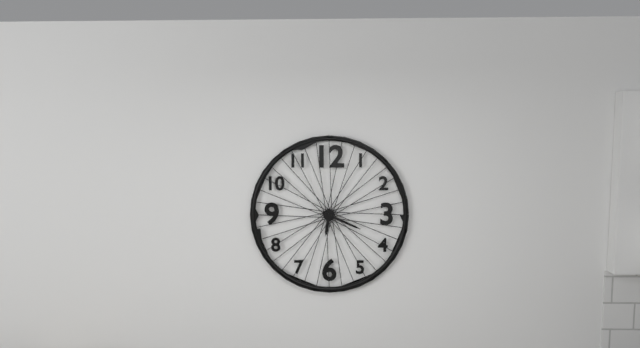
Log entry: 6h19
